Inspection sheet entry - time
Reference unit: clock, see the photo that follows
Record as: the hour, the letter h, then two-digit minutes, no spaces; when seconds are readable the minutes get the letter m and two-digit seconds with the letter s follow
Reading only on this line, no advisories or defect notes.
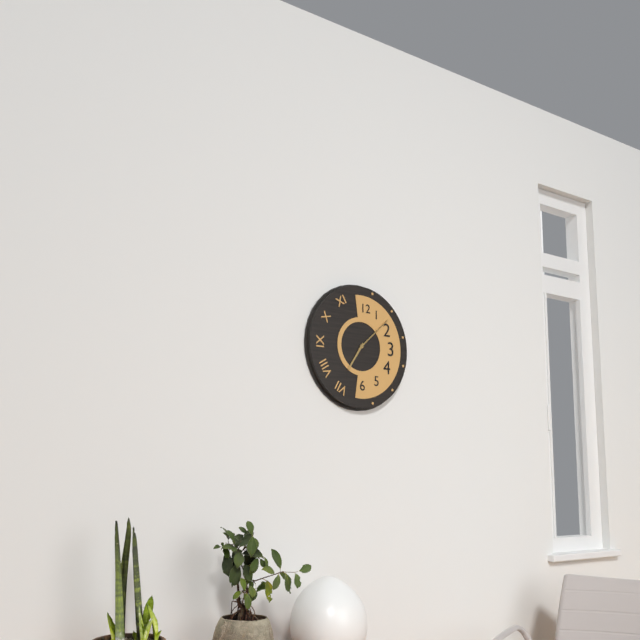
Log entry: 7h08
